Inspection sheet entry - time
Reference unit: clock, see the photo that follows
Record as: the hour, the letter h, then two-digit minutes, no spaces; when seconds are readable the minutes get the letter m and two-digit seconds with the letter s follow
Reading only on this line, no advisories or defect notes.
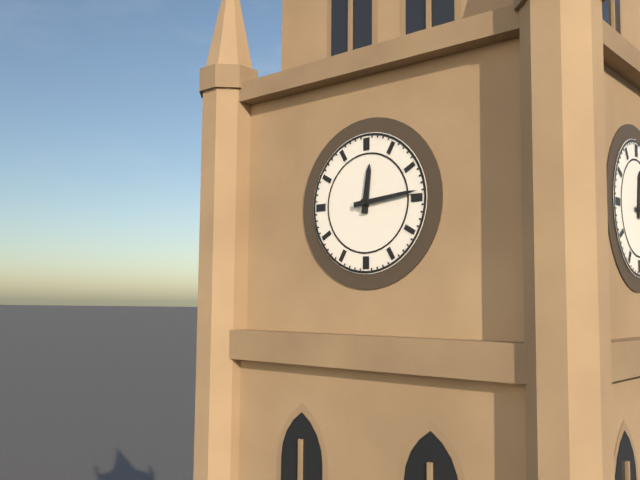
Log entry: 12h14
